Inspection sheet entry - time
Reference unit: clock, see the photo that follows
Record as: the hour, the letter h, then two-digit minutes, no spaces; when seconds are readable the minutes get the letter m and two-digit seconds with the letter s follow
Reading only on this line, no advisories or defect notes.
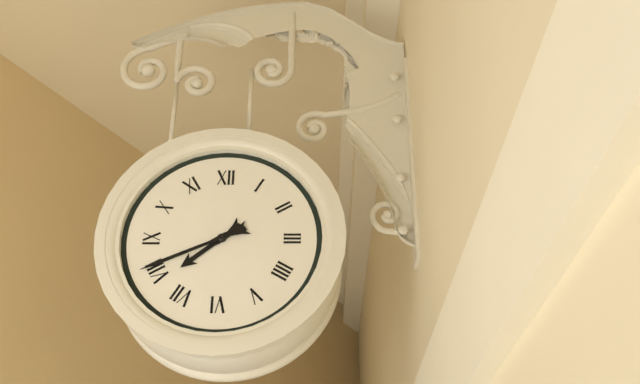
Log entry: 7h41
